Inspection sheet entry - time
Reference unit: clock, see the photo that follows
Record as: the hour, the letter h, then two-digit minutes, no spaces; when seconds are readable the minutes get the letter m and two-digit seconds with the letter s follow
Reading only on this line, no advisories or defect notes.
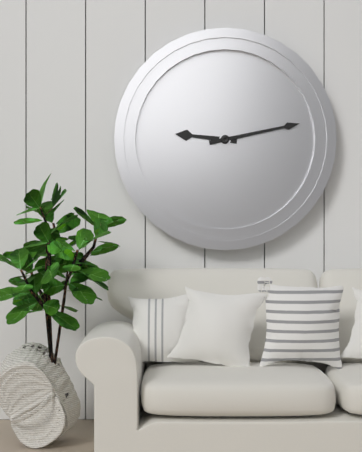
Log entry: 9h13
